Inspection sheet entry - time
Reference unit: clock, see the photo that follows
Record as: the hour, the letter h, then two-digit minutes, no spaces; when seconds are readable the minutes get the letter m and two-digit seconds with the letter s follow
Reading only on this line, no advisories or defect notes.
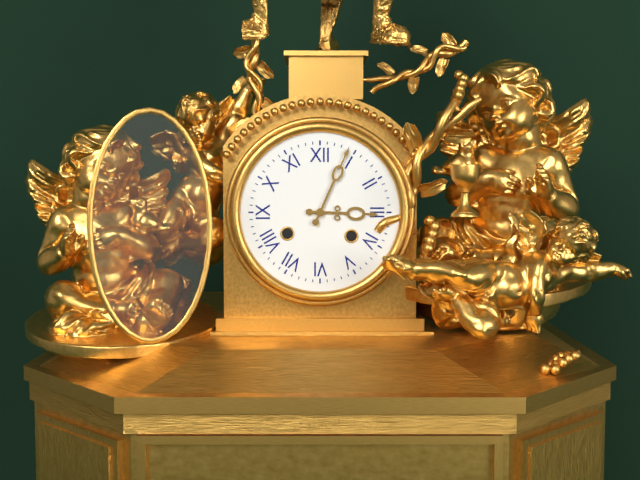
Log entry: 3h04
